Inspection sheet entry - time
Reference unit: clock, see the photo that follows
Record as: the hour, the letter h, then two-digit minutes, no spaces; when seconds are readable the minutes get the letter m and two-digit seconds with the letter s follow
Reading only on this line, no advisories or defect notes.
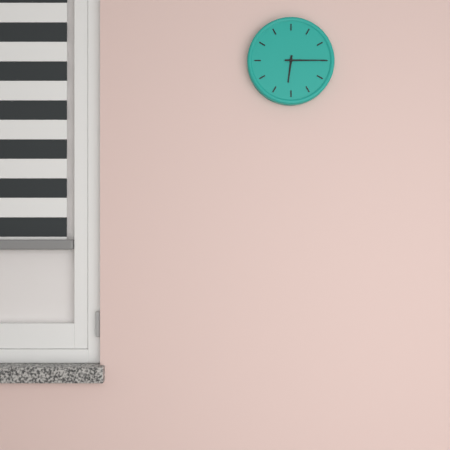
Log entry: 6h15
